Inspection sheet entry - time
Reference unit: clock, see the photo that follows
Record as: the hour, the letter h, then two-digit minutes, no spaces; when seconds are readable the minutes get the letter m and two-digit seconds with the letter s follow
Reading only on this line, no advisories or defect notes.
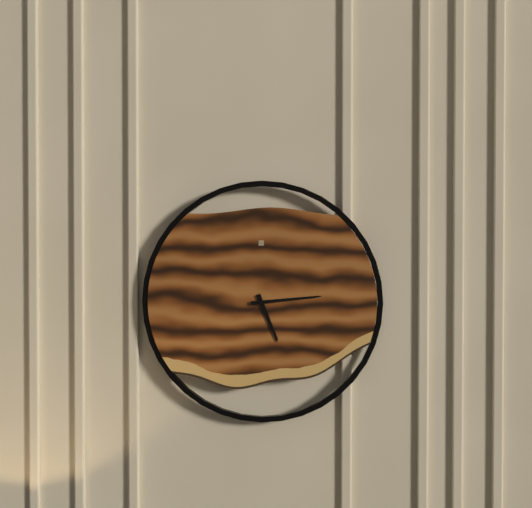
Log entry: 5h14
